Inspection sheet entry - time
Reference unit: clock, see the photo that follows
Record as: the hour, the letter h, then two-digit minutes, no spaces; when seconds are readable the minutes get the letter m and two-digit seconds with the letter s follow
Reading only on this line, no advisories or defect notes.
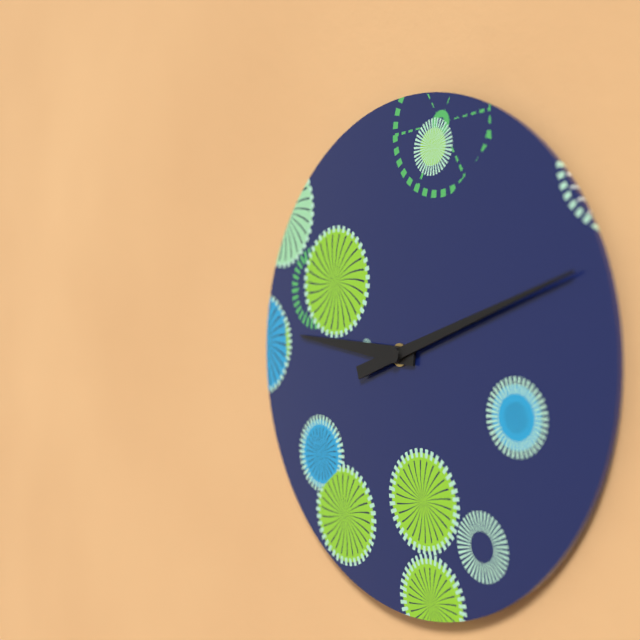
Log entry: 9h12
